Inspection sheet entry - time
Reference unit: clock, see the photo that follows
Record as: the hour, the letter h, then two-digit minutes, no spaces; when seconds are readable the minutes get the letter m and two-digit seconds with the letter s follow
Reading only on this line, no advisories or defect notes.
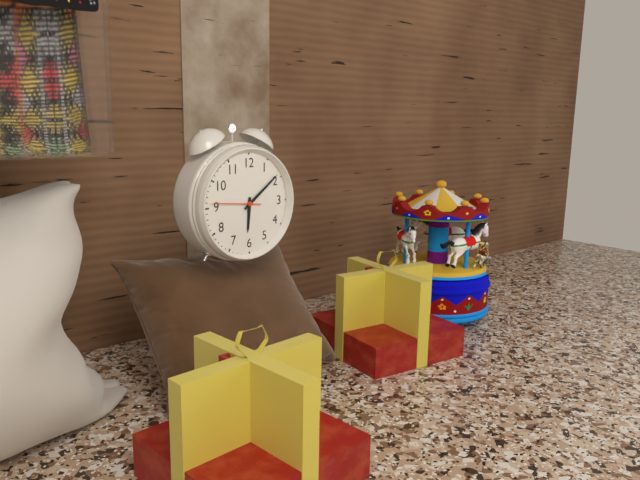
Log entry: 6h09
